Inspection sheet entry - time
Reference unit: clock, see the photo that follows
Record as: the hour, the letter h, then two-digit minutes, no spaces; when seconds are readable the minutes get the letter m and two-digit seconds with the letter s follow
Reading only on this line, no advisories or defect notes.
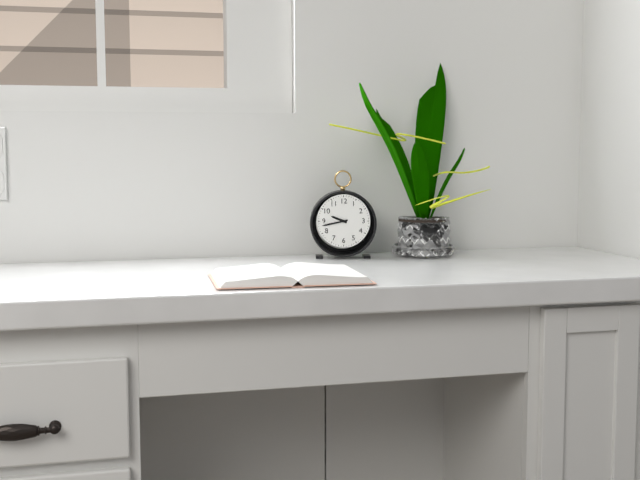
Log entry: 9h43
